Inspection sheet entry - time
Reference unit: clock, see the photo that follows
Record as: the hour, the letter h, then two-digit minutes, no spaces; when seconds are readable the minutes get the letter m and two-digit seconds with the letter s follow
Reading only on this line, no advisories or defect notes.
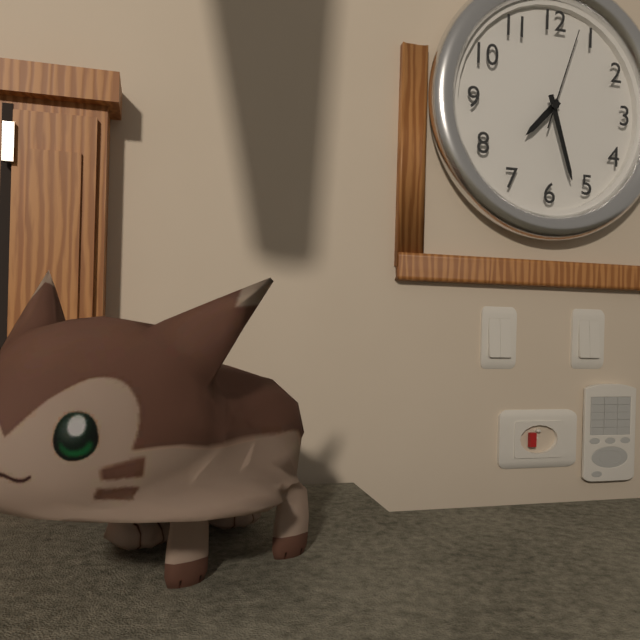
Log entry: 7h27m03s
